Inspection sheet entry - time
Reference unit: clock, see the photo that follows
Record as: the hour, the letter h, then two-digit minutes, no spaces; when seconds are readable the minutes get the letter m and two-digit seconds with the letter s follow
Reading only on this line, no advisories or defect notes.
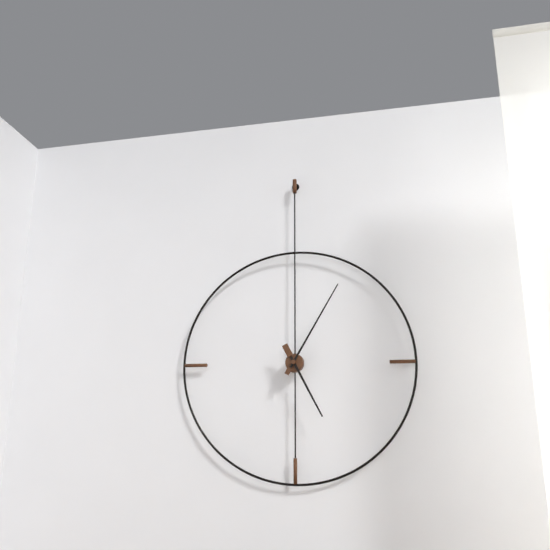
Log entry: 5h05
